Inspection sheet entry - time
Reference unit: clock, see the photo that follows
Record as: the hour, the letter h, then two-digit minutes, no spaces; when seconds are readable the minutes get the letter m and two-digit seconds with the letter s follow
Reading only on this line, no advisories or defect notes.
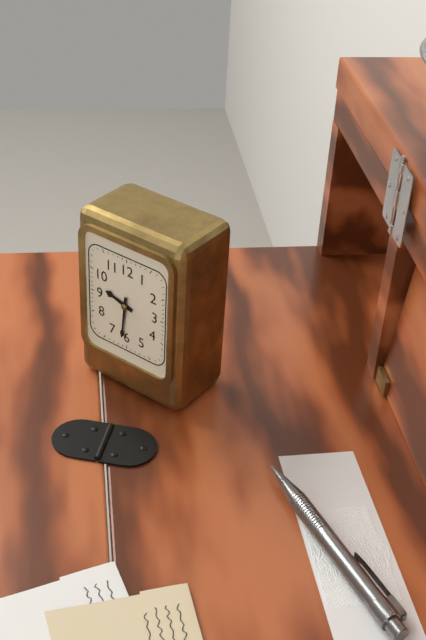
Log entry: 9h31
